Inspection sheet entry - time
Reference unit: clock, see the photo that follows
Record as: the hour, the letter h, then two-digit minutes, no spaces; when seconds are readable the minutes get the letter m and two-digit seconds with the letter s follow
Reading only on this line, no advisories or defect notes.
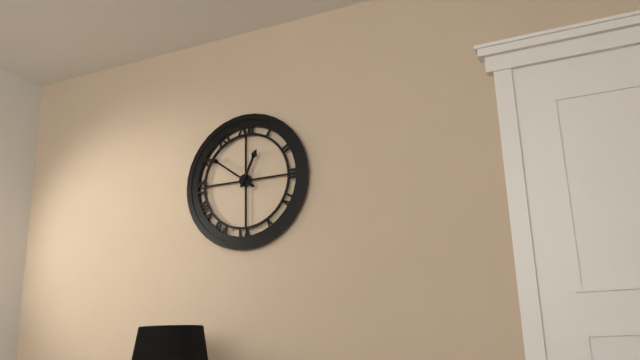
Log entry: 12h51
